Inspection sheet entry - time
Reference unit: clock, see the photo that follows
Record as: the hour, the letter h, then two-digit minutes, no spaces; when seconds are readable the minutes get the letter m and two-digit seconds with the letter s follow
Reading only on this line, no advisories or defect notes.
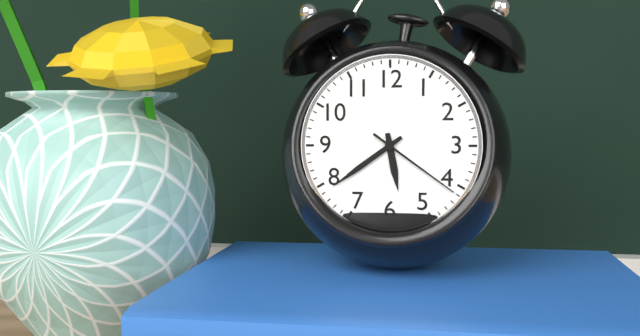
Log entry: 5h39m21s
